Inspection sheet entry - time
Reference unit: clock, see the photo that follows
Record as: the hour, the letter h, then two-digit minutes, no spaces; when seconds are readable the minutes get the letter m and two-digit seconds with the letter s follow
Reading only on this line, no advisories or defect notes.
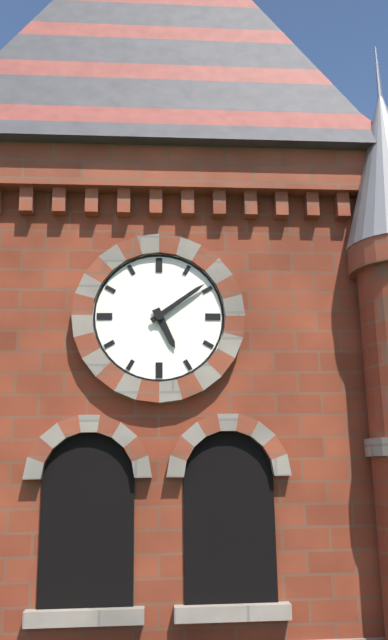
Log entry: 5h09
